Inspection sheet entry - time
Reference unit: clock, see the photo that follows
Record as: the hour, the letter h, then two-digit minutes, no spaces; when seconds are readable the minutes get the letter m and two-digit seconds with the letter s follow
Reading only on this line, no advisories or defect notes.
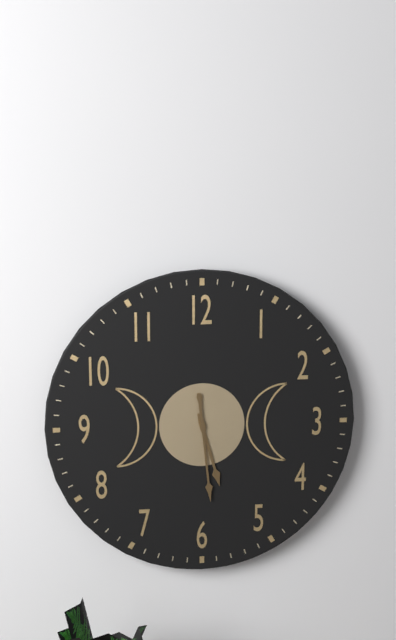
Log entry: 5h29
